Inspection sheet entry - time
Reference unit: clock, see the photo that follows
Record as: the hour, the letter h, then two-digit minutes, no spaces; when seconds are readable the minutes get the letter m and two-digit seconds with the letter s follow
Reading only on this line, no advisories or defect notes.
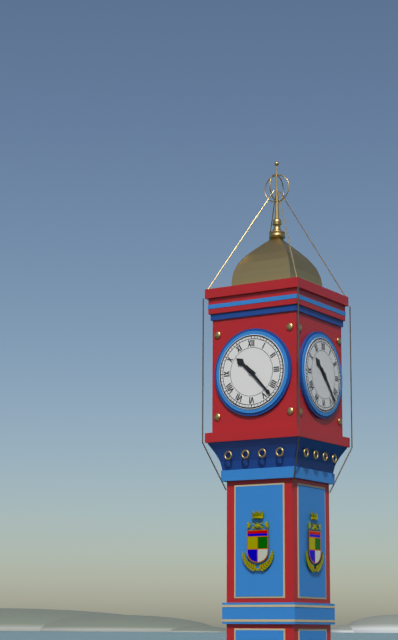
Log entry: 10h23
